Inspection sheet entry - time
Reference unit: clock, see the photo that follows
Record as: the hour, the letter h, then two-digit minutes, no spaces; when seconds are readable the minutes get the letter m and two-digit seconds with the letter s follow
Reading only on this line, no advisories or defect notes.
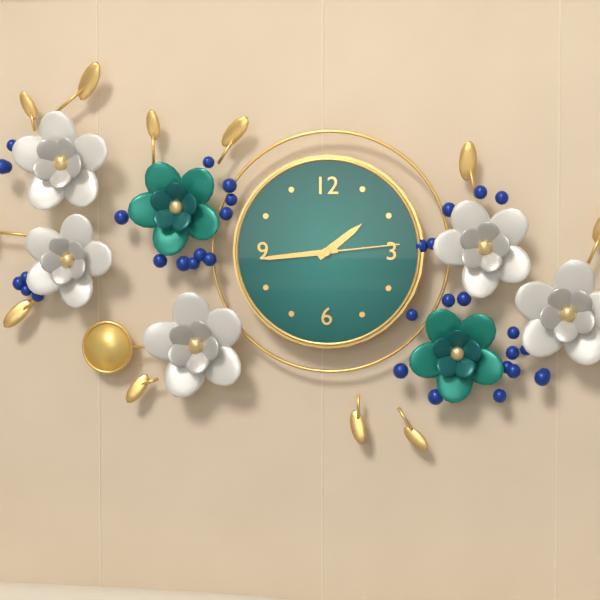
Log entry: 1h44m14s
